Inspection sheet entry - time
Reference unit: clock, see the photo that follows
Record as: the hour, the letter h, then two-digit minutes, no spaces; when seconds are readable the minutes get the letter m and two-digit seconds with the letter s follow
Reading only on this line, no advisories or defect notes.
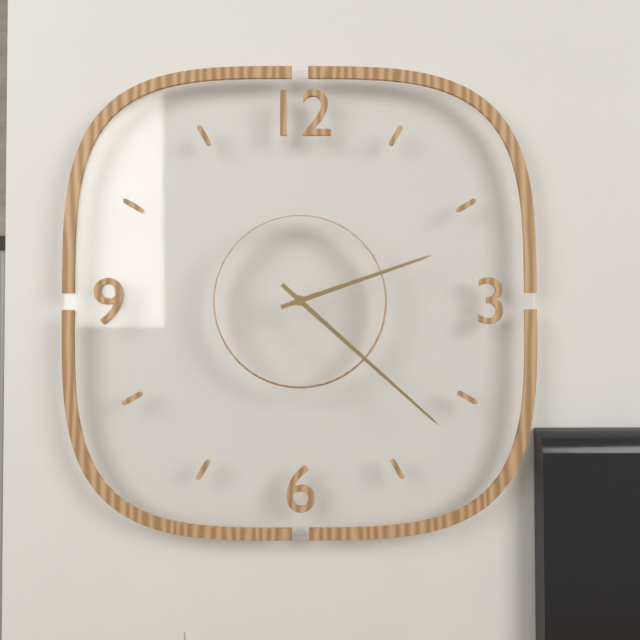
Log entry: 2h22
